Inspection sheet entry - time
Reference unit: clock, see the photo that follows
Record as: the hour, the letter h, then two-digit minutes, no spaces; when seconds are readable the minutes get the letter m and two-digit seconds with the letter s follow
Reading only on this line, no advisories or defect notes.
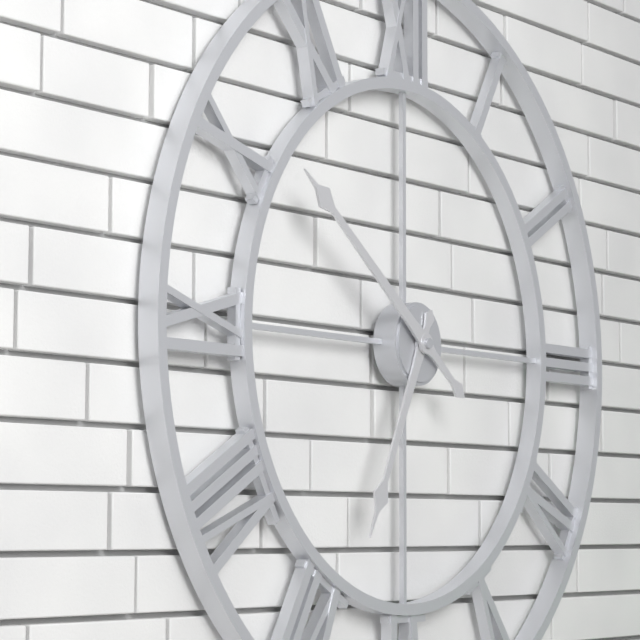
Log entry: 6h51
